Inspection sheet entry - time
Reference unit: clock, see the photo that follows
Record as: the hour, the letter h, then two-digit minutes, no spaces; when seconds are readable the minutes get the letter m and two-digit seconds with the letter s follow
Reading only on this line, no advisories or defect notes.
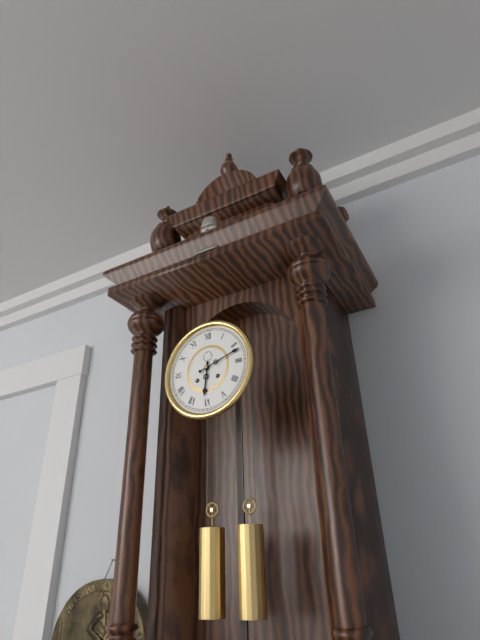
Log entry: 6h12
